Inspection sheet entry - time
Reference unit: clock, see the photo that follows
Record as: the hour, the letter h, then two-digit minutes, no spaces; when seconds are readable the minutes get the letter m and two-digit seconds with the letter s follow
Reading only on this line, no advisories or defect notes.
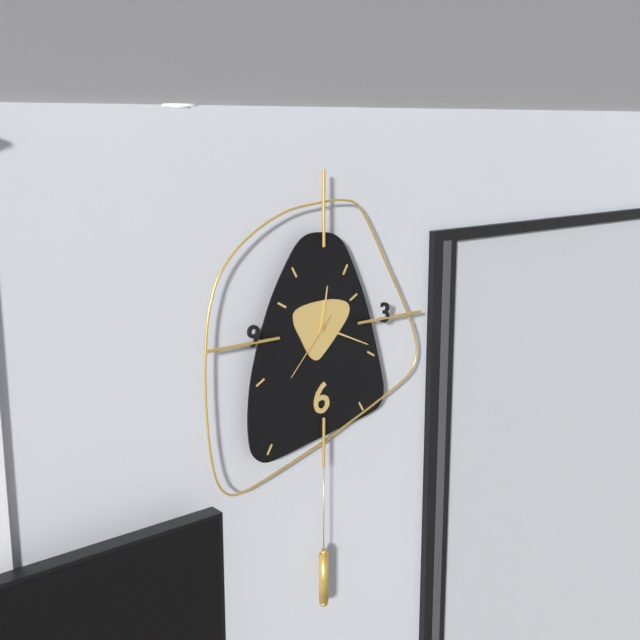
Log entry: 12h19m37s
